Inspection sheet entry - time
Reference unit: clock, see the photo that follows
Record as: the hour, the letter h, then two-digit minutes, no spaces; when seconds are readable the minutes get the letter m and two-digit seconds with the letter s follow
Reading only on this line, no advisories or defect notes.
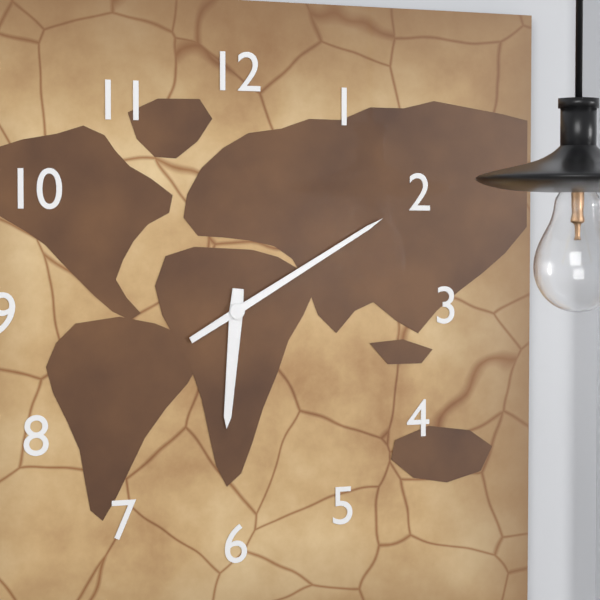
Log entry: 6h10
